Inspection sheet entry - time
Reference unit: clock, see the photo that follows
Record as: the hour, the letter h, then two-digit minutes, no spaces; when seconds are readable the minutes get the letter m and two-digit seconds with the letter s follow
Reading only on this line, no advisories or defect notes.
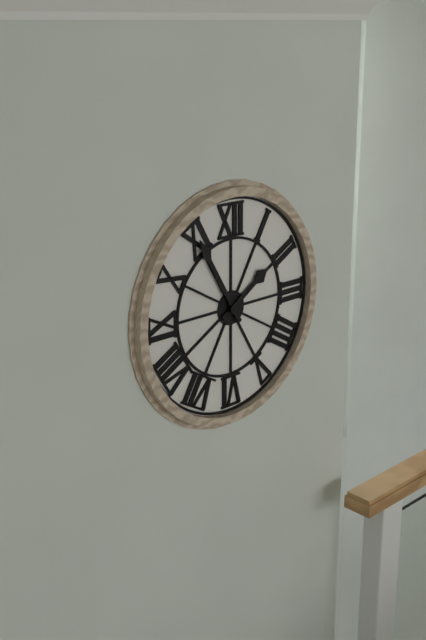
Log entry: 1h55
